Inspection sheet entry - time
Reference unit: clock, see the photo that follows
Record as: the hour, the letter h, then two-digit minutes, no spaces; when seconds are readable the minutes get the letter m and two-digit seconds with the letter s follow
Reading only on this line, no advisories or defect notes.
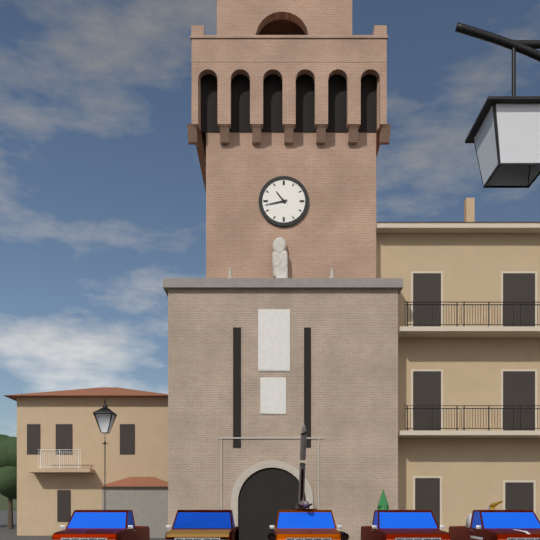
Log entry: 10h43
